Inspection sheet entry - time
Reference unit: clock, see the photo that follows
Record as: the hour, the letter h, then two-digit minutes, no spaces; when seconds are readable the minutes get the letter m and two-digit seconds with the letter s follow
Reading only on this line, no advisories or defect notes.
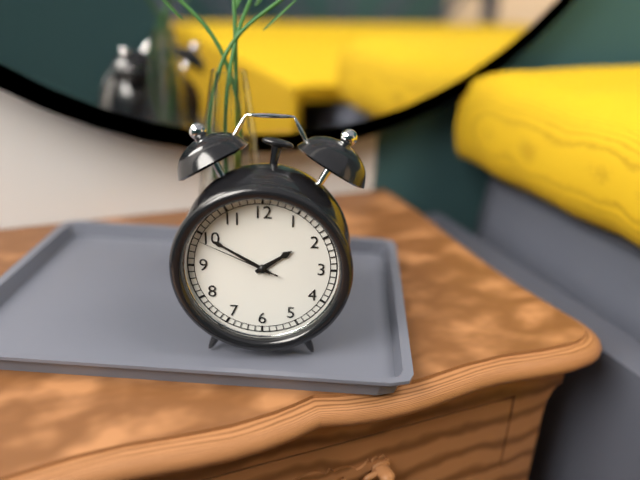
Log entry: 1h50m49s
